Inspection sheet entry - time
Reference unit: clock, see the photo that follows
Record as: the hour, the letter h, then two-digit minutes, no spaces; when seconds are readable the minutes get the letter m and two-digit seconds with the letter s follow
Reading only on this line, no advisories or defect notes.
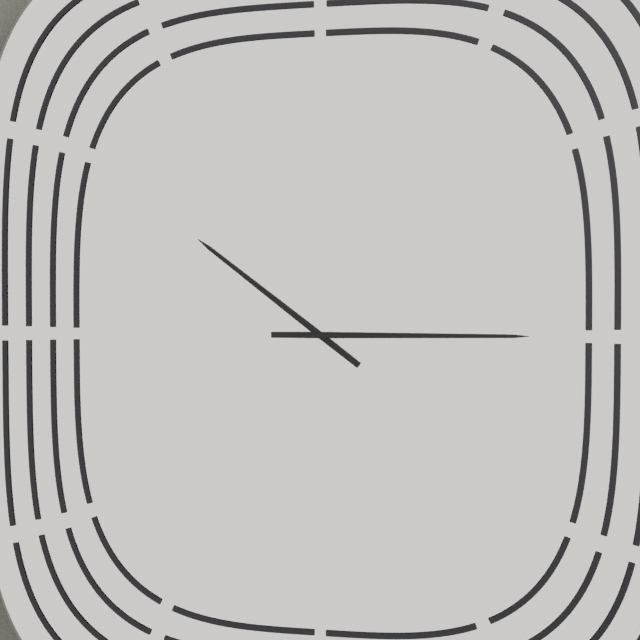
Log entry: 10h15
